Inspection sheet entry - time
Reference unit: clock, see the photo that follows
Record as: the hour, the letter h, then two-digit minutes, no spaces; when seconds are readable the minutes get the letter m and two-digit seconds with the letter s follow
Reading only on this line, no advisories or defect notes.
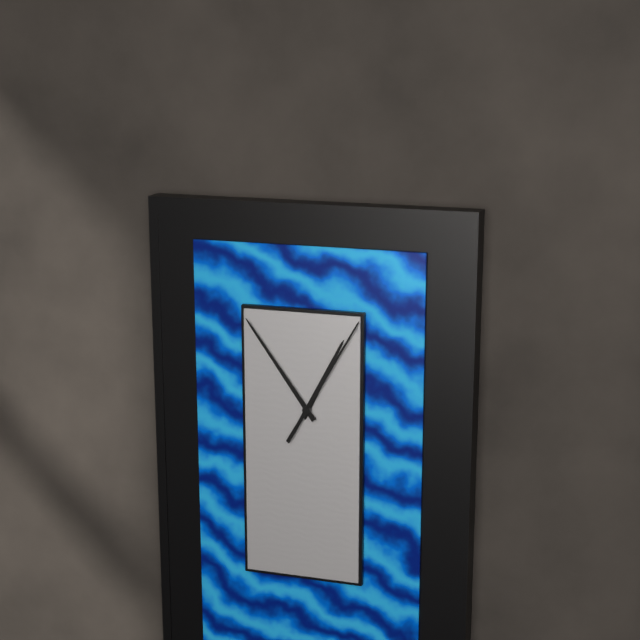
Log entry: 12h54m05s
